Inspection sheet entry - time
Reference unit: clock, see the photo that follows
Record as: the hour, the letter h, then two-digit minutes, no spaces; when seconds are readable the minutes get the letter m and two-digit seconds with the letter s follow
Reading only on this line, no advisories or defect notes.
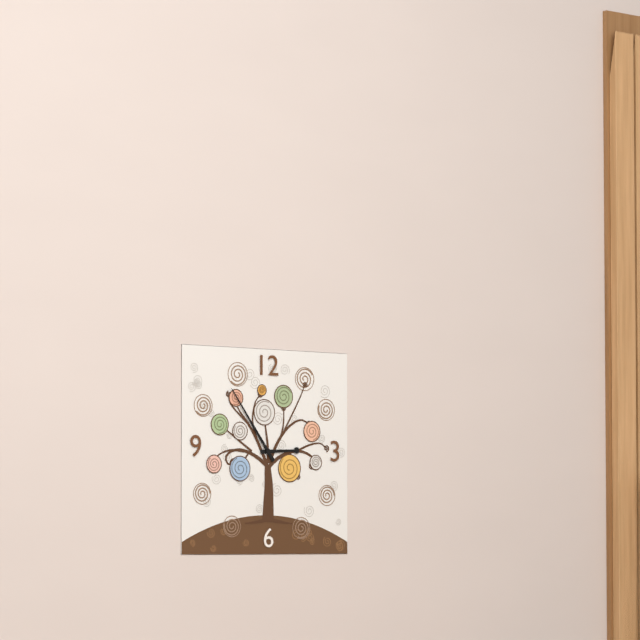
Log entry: 2h54
